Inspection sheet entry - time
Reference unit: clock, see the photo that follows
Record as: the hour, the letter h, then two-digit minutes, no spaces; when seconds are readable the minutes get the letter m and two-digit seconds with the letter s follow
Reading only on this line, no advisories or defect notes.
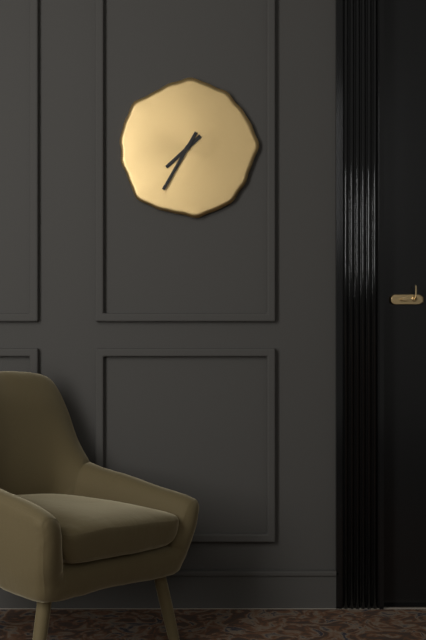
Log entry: 7h35
